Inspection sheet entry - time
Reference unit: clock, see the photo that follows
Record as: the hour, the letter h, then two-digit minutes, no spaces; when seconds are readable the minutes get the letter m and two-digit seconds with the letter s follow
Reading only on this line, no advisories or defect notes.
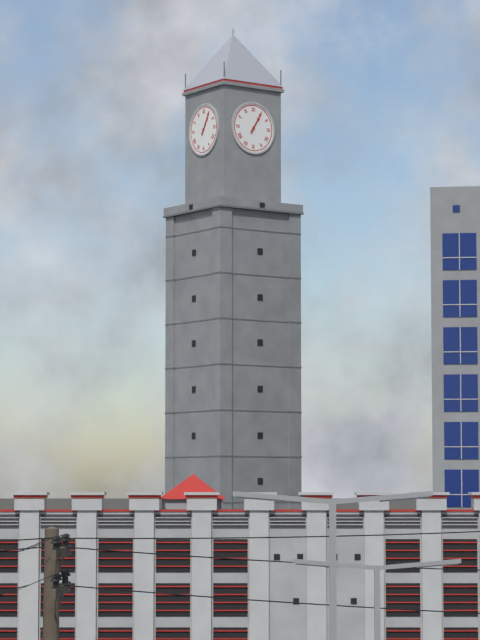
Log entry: 1h05
